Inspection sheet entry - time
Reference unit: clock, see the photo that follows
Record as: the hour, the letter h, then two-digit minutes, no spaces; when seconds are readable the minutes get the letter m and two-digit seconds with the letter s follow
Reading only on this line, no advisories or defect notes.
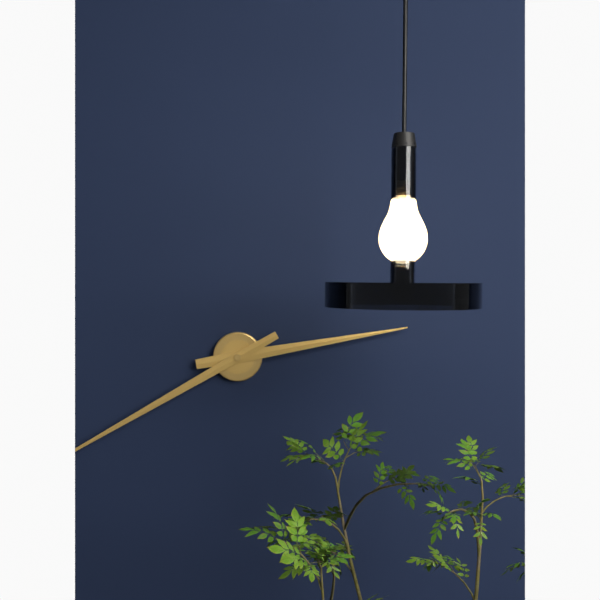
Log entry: 2h40
